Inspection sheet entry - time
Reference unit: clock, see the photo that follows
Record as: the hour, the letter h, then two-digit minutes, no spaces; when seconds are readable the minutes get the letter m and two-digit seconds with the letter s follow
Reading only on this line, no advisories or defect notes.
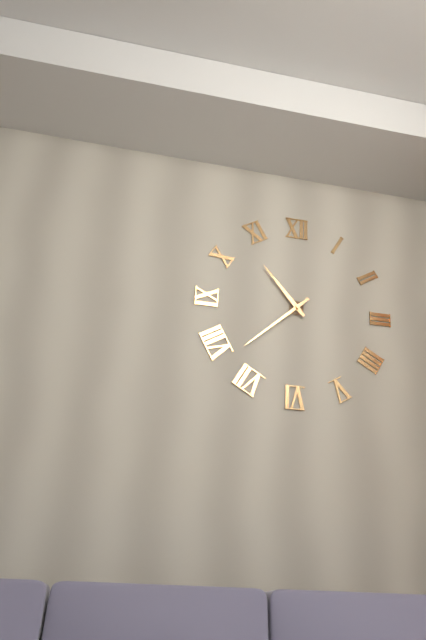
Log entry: 10h38
